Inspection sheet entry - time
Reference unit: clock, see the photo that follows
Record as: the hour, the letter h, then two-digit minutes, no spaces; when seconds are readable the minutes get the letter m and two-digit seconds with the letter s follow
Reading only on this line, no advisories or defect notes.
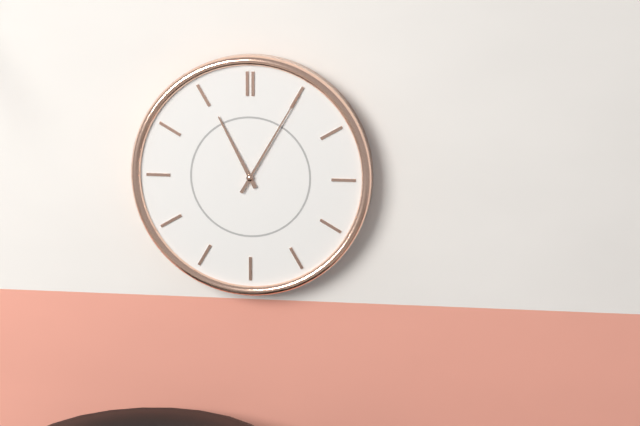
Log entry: 11h05
